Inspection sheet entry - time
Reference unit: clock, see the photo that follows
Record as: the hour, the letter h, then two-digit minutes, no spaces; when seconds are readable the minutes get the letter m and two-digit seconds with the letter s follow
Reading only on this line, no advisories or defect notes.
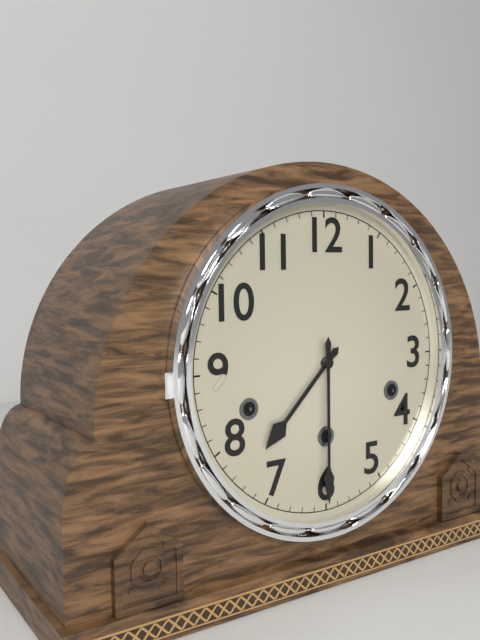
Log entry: 7h30
